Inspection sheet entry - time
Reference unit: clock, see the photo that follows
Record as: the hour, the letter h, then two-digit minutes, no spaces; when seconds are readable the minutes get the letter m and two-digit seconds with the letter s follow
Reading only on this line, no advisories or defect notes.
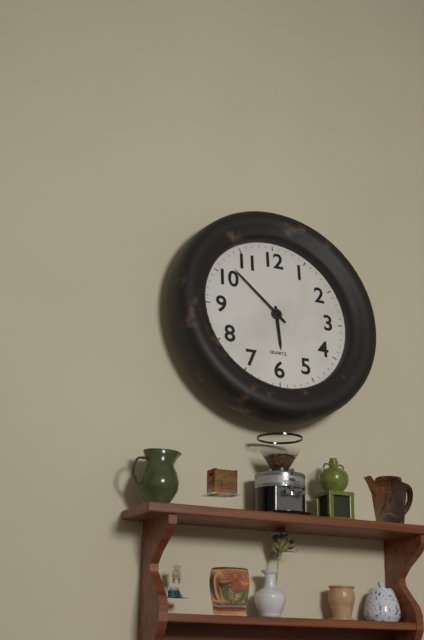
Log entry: 5h52
